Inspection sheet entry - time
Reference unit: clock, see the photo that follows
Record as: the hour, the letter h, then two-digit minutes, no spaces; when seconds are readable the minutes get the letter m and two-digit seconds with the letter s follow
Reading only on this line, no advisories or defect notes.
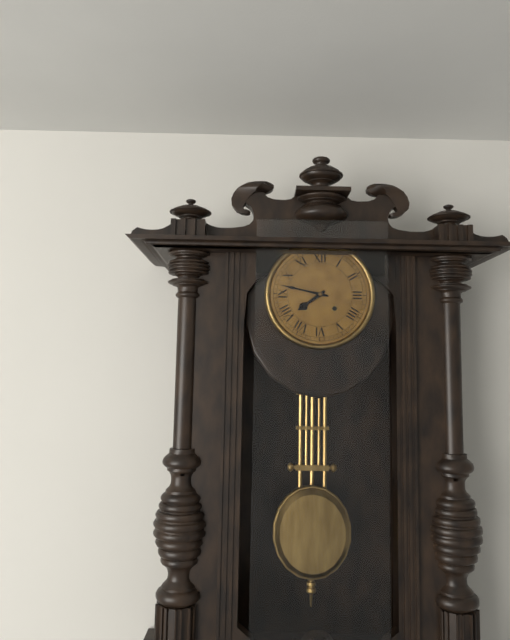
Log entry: 7h47
